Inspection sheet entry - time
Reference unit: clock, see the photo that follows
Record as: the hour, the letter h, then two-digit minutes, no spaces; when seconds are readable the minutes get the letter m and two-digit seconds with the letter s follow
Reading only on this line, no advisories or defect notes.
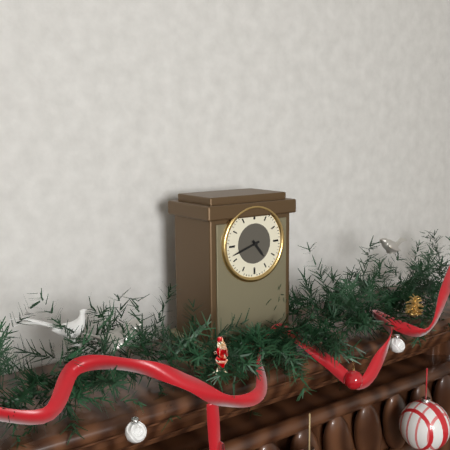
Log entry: 4h42
